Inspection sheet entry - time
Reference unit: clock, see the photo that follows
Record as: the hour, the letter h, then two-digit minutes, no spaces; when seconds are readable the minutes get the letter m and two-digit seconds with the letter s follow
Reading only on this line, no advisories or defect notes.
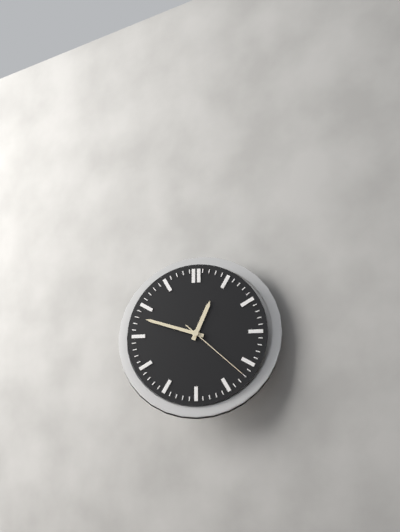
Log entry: 12h48m22s
